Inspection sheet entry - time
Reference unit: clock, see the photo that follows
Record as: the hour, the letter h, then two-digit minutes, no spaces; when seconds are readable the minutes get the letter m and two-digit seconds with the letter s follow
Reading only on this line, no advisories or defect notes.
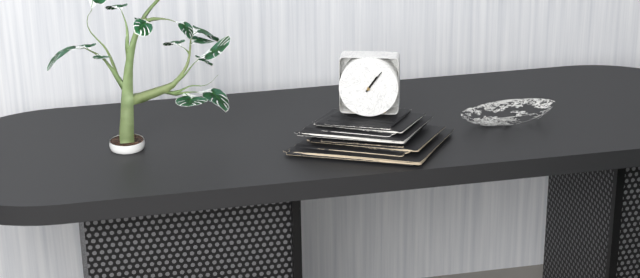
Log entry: 1h06
